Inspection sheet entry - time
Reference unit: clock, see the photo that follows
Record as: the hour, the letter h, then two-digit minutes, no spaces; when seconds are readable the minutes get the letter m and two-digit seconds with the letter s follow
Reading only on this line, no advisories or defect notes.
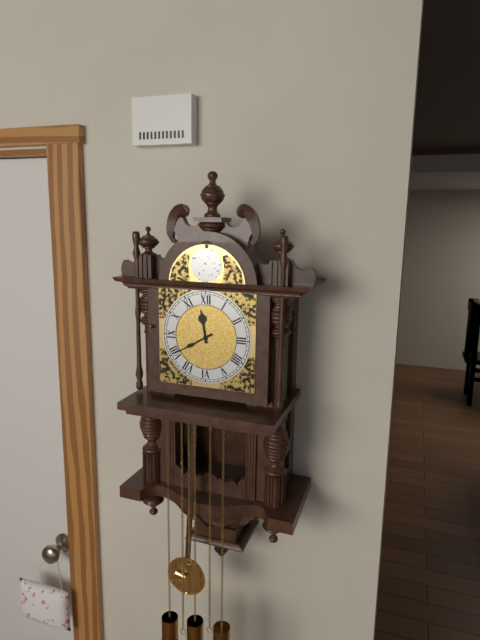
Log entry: 11h40
